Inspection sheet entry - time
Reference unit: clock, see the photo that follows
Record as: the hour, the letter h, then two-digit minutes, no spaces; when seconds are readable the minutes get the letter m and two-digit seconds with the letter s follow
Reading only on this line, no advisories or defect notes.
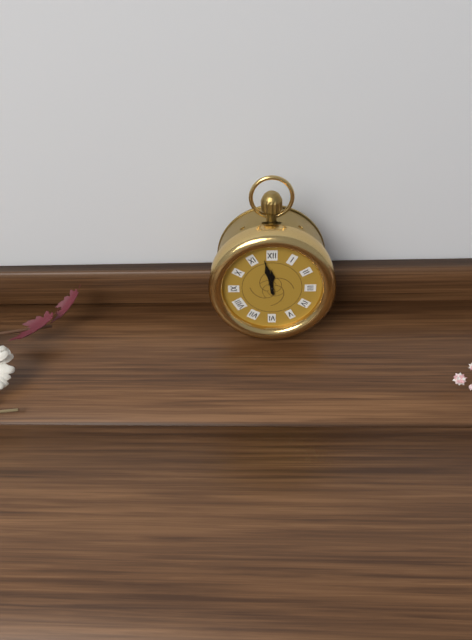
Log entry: 11h58
